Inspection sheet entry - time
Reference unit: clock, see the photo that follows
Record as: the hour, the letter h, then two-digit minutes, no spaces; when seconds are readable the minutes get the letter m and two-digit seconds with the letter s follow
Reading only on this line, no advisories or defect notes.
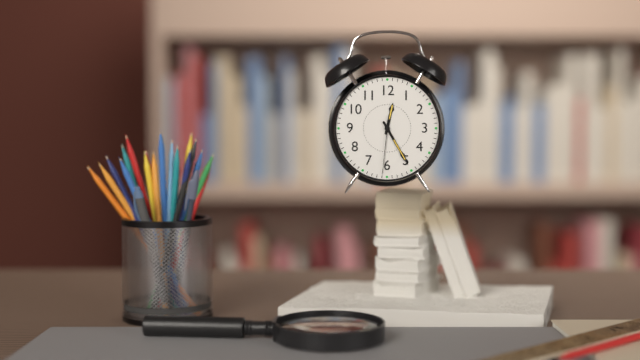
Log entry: 12h25m31s
